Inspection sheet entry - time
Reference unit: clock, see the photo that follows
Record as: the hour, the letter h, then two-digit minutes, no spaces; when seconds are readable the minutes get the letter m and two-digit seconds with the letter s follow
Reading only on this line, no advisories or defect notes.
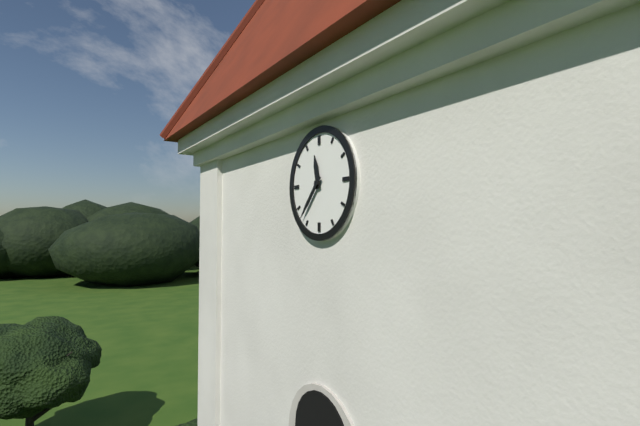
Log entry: 11h37
